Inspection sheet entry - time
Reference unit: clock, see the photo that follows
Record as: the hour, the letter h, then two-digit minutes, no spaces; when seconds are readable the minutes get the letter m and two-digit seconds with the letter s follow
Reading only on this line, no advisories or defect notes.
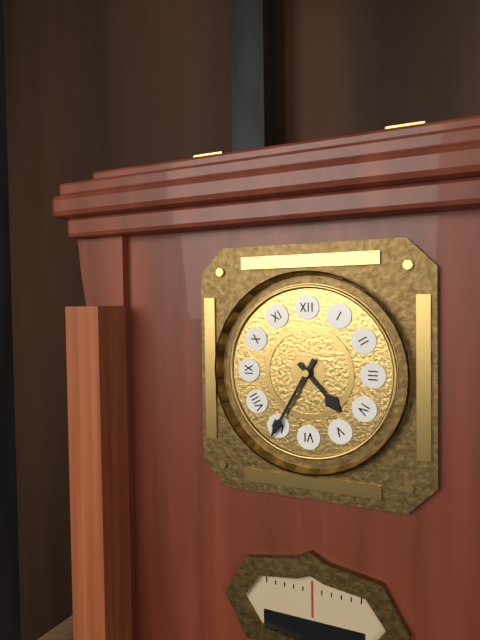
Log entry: 4h35
